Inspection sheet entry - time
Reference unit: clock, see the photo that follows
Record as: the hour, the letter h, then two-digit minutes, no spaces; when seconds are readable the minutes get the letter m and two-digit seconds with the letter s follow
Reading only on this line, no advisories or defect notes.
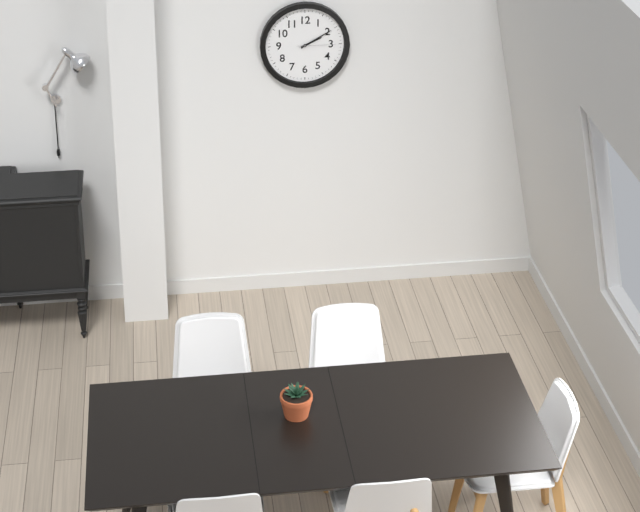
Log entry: 2h10
